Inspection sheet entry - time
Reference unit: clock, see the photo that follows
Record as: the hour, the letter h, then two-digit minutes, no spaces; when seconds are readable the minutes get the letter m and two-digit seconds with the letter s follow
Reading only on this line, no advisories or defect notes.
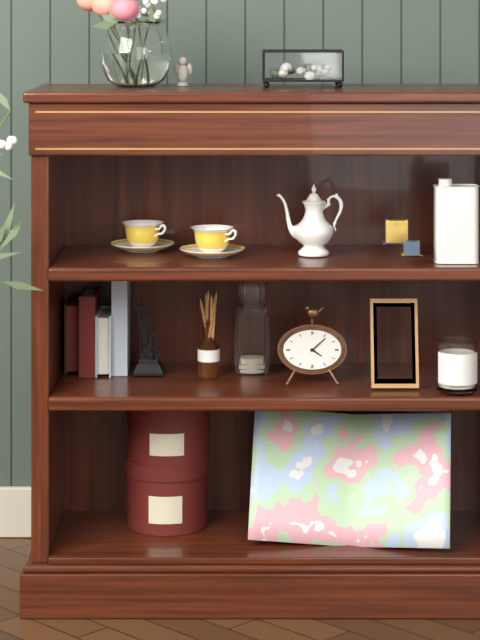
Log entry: 4h08
